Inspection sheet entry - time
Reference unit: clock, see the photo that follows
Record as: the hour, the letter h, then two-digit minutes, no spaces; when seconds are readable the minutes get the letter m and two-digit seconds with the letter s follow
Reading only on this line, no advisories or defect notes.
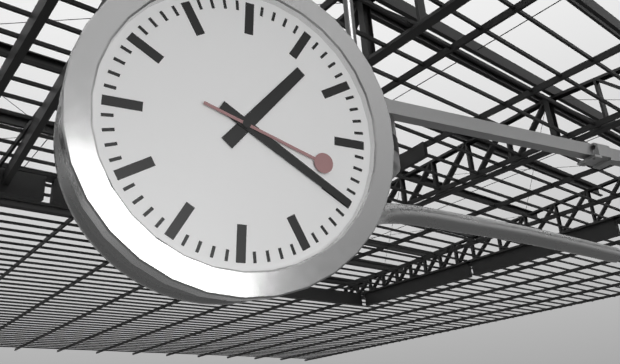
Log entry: 1h20m18s
